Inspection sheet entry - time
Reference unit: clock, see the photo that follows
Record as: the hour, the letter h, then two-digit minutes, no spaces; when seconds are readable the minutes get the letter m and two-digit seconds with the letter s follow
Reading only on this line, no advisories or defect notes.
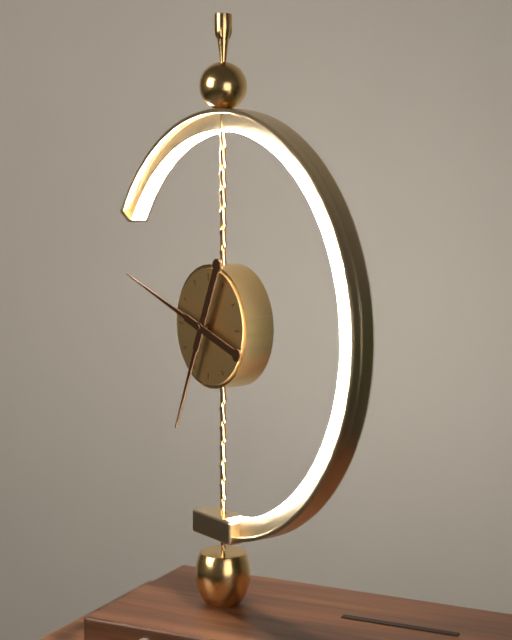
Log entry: 6h48
